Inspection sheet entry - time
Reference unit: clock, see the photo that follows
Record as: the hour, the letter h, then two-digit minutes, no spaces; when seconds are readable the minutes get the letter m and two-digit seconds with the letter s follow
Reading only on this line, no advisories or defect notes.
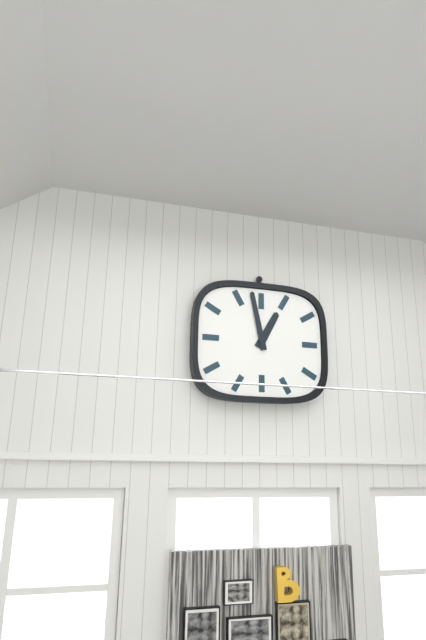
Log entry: 12h58
